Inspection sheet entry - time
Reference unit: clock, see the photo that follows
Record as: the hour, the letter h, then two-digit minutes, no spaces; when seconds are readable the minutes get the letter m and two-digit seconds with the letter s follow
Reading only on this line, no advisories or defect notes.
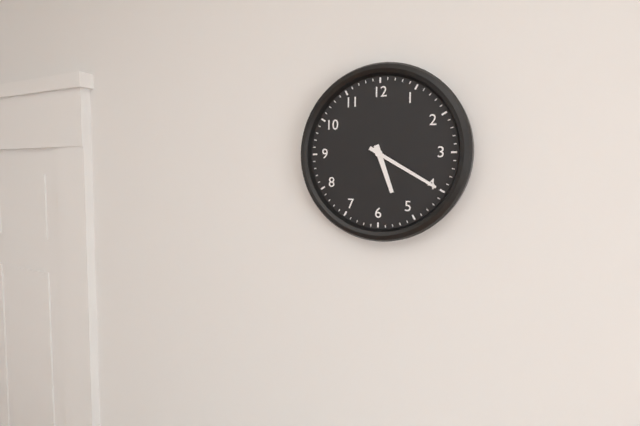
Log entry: 5h20
